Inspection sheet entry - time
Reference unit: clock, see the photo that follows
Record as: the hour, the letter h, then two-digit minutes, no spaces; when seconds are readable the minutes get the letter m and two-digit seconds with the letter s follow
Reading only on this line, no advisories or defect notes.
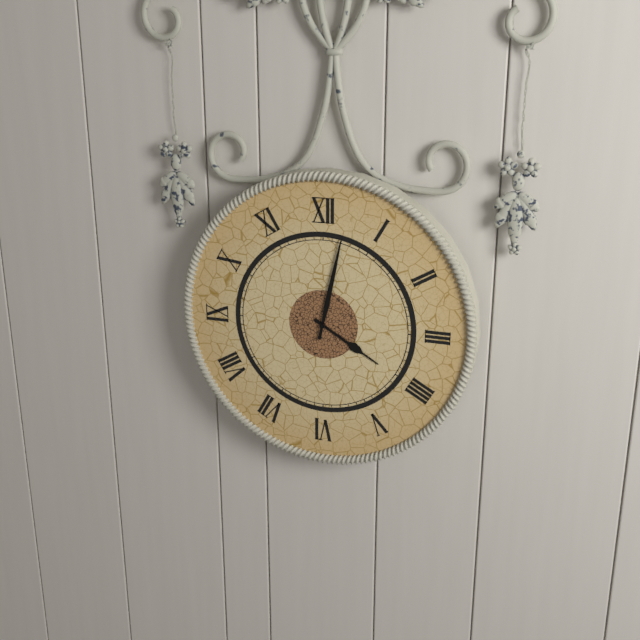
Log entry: 4h02
